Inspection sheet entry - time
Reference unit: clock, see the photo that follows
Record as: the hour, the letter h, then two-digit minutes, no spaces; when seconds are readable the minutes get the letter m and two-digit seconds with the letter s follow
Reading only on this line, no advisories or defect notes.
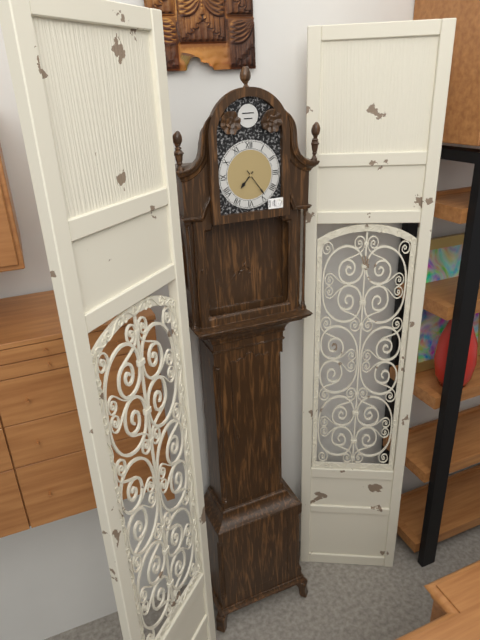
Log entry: 7h24
